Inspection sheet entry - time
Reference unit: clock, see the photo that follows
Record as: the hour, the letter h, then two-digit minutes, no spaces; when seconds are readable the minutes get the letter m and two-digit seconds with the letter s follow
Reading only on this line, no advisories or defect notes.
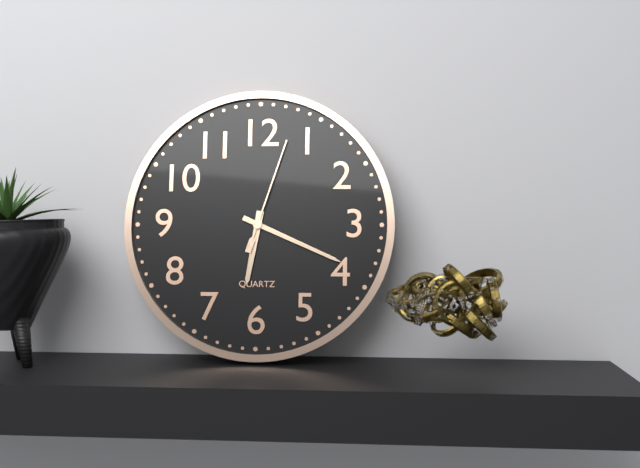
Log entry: 6h19m03s
